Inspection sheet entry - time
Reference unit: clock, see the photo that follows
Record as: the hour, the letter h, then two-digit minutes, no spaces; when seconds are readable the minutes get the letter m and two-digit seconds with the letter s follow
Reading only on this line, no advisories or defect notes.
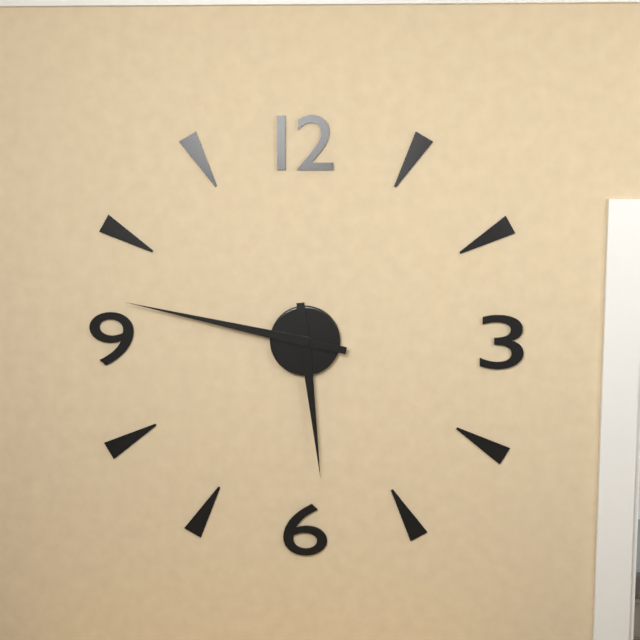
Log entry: 5h47
